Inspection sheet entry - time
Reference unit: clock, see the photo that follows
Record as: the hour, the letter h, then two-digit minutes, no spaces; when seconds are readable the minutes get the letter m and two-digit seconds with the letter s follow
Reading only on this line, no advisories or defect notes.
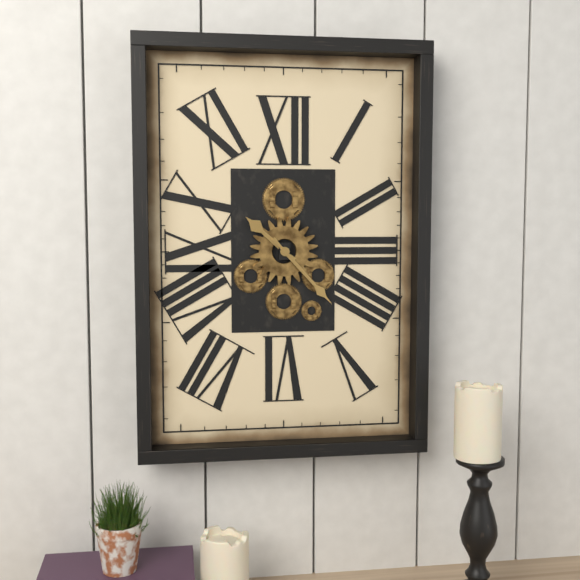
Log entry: 10h23
